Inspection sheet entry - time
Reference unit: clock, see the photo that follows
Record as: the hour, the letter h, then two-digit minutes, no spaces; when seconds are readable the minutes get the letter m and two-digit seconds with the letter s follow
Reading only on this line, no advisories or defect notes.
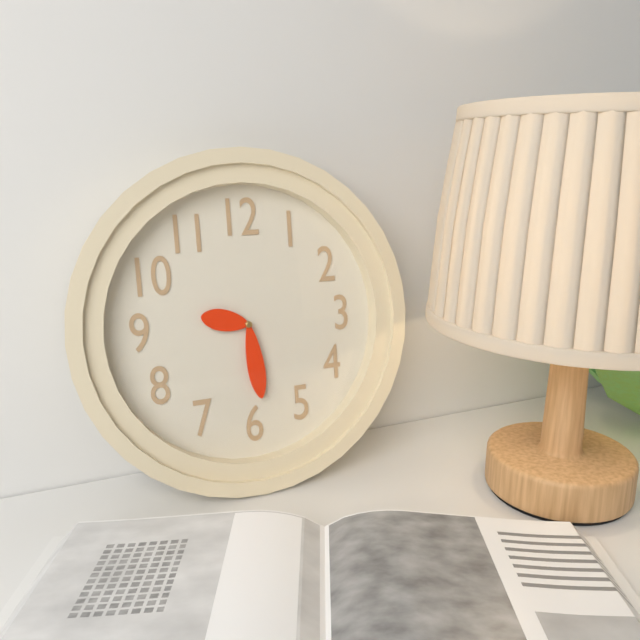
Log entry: 9h29
